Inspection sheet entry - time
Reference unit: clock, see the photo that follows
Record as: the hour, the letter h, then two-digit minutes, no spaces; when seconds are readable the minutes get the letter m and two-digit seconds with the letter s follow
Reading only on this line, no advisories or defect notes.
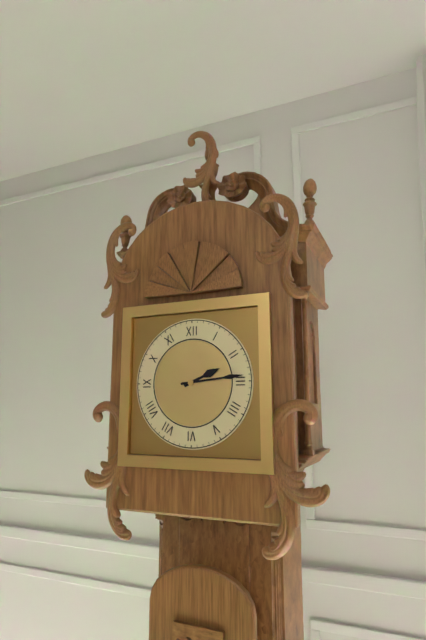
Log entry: 2h14
